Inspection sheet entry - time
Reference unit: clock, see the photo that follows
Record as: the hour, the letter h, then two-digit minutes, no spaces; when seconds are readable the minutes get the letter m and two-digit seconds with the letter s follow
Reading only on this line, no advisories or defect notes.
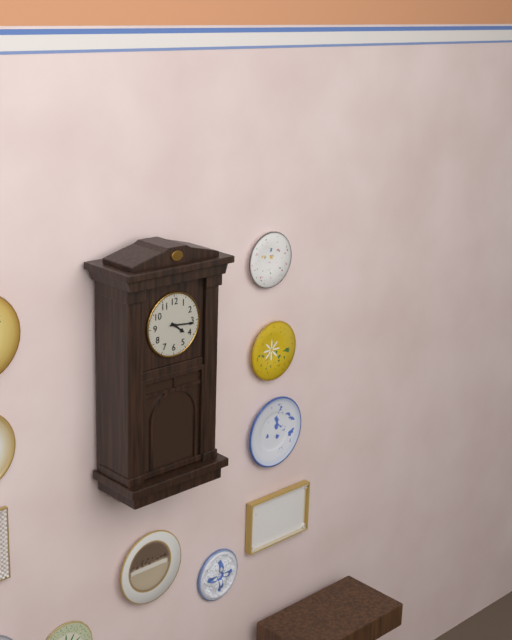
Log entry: 4h16
